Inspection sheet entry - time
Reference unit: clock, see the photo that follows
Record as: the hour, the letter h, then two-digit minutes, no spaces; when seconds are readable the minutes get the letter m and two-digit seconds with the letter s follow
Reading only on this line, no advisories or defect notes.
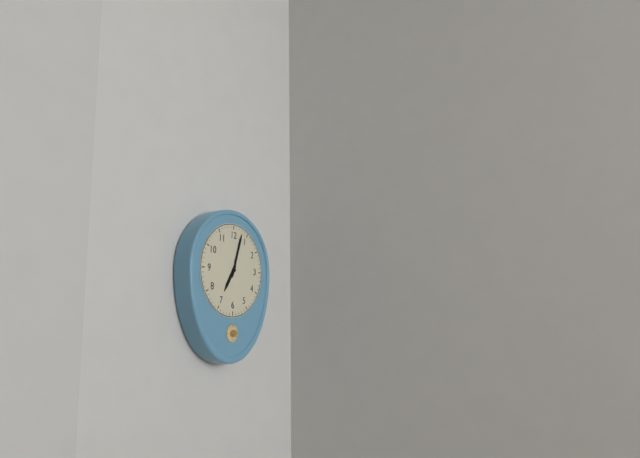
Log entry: 7h03
